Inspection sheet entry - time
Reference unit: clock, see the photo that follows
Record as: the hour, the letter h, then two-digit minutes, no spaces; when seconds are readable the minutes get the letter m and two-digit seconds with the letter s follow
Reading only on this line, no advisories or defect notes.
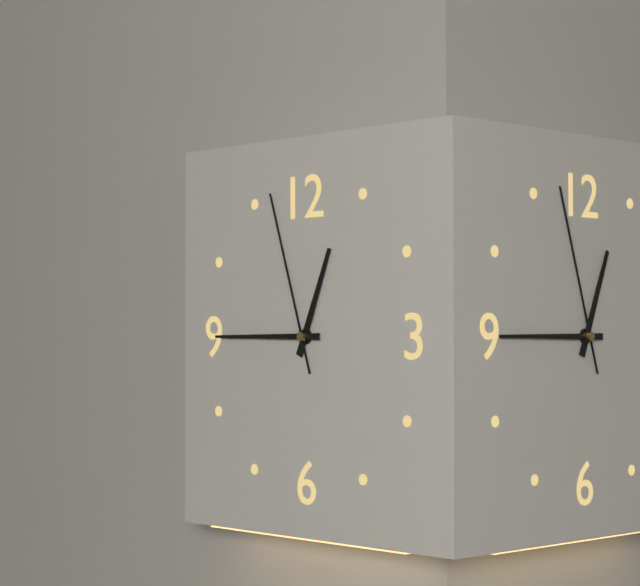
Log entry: 12h45m57s
